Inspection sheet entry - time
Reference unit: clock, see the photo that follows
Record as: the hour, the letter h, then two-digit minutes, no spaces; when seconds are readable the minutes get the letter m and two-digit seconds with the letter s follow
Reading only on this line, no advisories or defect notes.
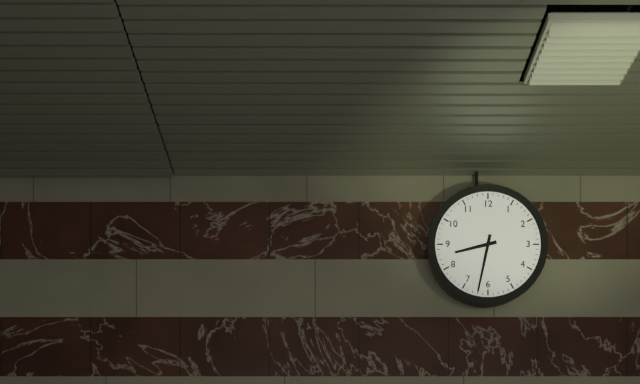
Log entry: 8h32
